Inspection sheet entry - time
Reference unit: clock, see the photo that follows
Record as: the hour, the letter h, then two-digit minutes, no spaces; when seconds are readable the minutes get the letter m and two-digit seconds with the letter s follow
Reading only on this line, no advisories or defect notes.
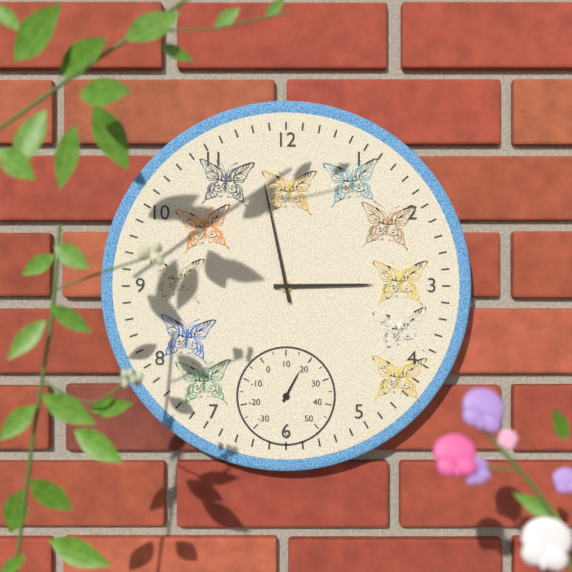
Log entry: 2h58
